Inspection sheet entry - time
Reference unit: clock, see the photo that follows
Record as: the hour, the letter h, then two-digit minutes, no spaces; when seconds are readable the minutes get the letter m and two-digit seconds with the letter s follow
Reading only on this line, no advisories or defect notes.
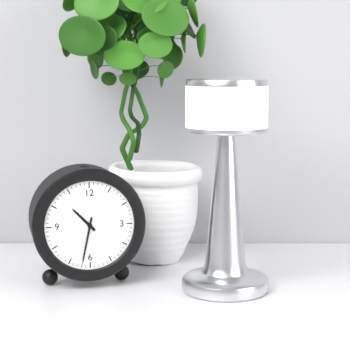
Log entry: 10h32
